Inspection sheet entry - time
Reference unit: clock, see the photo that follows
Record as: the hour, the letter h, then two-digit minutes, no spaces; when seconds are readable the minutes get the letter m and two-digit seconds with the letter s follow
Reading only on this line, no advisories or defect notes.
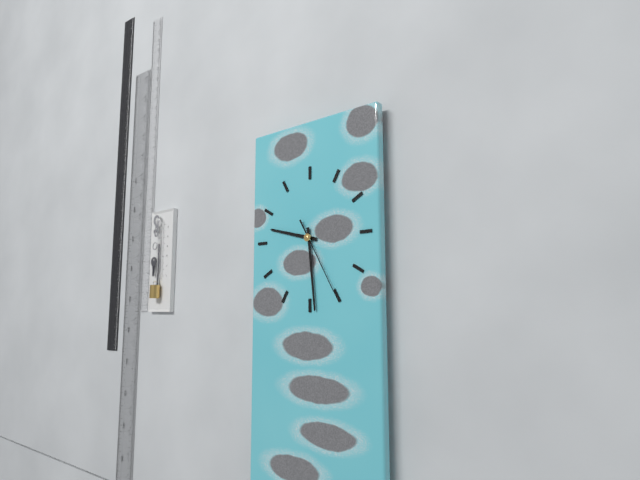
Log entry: 9h29m25s
